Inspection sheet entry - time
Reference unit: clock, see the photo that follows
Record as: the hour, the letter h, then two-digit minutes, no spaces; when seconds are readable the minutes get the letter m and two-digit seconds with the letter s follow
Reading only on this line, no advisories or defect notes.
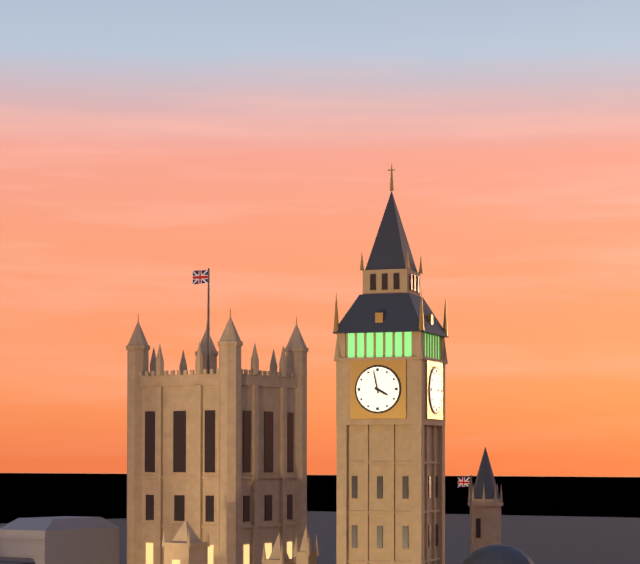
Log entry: 3h58
